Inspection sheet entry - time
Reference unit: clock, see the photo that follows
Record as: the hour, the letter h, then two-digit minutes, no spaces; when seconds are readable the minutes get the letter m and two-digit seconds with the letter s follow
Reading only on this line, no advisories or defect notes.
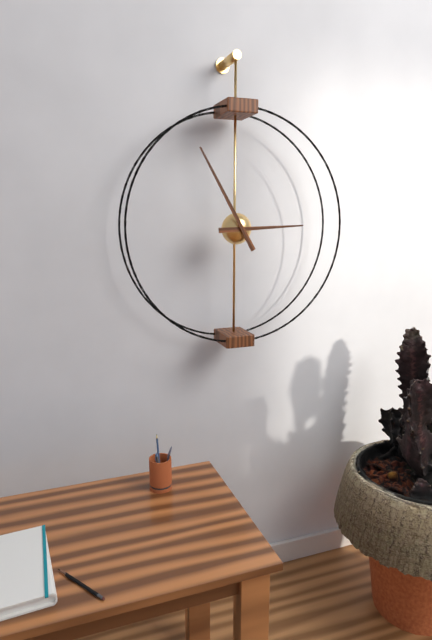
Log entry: 2h55
